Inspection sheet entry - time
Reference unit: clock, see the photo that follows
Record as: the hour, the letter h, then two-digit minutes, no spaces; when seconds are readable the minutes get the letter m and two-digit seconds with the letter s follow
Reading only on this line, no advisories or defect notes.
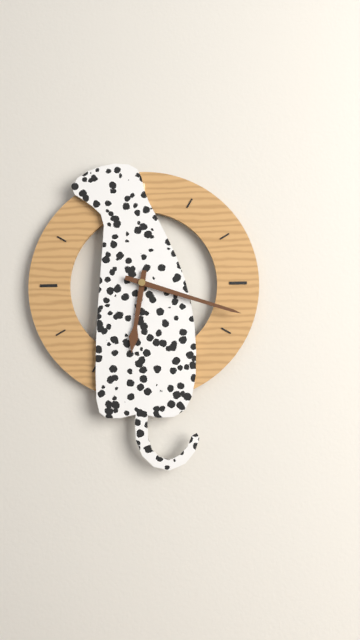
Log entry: 6h18
